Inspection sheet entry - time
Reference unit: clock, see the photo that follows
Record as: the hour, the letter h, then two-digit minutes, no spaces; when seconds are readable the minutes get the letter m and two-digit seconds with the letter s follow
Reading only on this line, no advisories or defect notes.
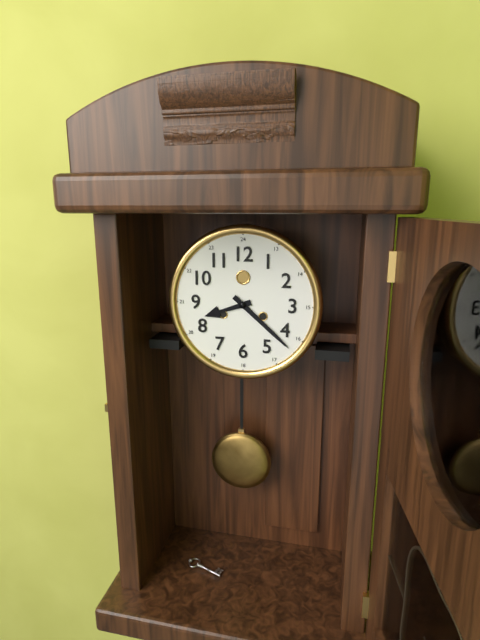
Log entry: 8h22
